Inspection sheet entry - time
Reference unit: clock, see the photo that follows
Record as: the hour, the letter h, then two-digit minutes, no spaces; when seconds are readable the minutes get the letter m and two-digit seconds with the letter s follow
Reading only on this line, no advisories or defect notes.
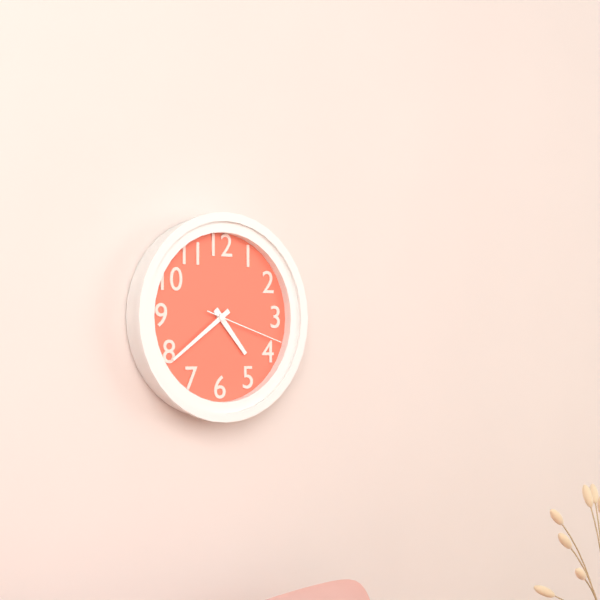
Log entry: 4h39m18s
